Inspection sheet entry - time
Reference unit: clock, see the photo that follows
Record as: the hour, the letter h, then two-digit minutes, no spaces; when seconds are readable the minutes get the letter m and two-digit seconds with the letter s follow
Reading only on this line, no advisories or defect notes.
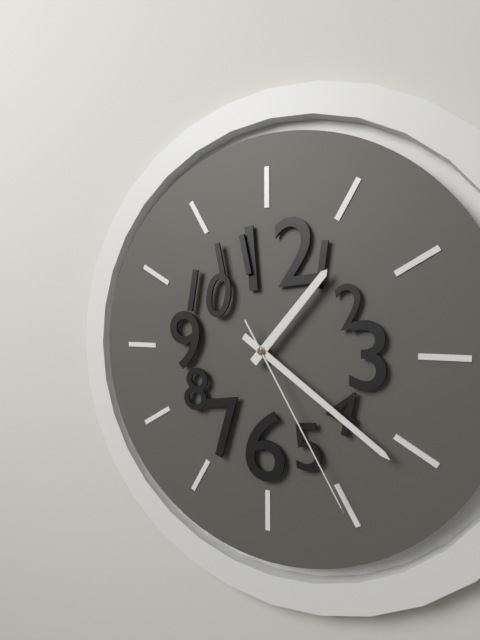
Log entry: 1h21m25s
